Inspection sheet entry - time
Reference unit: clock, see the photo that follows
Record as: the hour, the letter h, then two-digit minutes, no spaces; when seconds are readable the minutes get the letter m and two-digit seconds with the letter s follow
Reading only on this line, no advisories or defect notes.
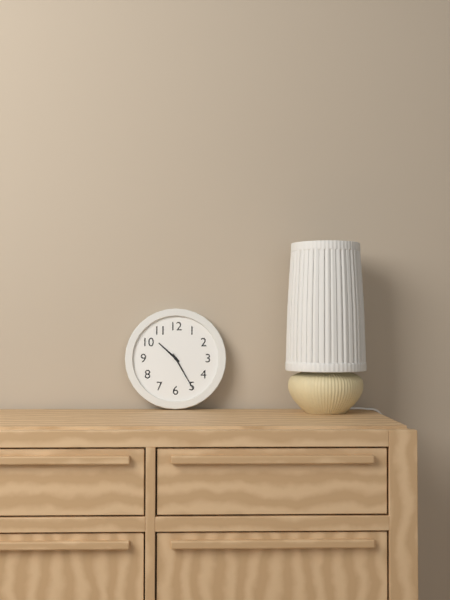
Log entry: 10h25
